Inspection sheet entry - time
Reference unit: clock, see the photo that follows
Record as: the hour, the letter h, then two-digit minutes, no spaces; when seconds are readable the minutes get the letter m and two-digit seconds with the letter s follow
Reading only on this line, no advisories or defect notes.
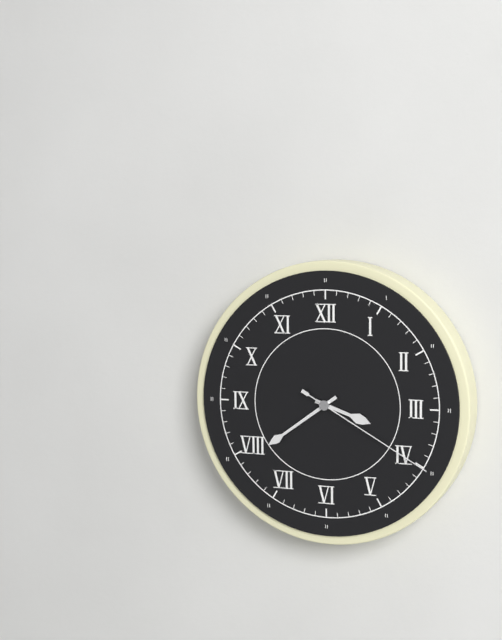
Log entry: 3h39m20s
